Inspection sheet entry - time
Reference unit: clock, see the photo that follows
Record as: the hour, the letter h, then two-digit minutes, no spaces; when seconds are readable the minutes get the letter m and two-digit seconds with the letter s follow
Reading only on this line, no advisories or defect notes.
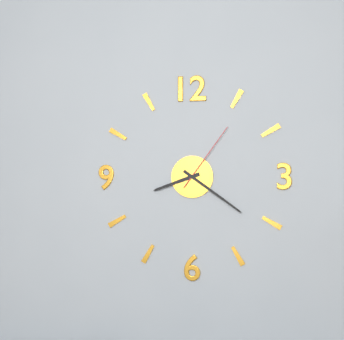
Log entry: 8h21m06s
